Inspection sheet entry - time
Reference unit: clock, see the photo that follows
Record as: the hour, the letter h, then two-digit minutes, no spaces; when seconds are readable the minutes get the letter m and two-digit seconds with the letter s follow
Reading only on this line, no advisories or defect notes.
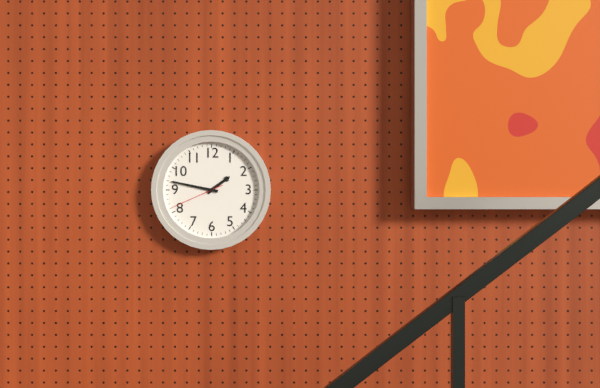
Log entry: 1h47m41s
